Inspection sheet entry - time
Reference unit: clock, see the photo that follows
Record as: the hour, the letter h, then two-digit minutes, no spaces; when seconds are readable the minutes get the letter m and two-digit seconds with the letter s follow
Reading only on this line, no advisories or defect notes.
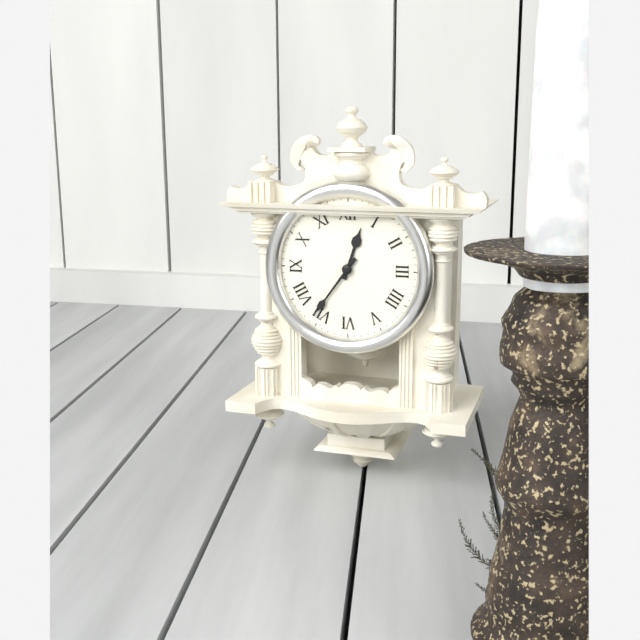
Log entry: 12h36
